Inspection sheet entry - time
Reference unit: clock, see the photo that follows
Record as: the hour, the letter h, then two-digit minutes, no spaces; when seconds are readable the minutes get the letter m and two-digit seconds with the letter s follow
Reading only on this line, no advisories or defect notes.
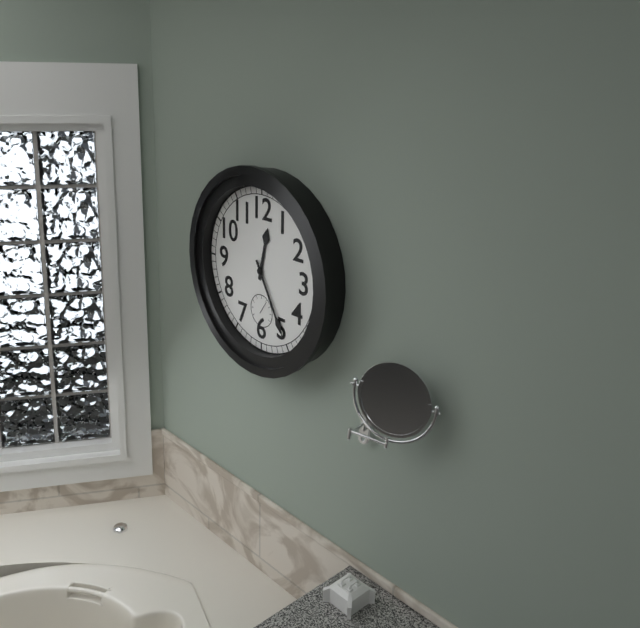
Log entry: 12h25
